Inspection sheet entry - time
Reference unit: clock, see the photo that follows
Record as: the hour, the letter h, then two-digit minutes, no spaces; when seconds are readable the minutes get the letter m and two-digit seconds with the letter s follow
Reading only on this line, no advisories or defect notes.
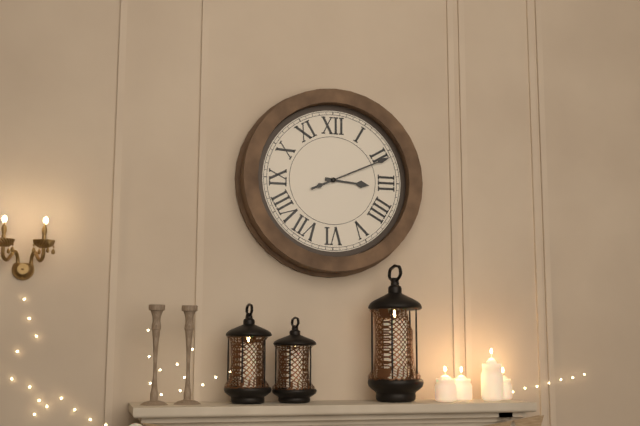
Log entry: 3h11
